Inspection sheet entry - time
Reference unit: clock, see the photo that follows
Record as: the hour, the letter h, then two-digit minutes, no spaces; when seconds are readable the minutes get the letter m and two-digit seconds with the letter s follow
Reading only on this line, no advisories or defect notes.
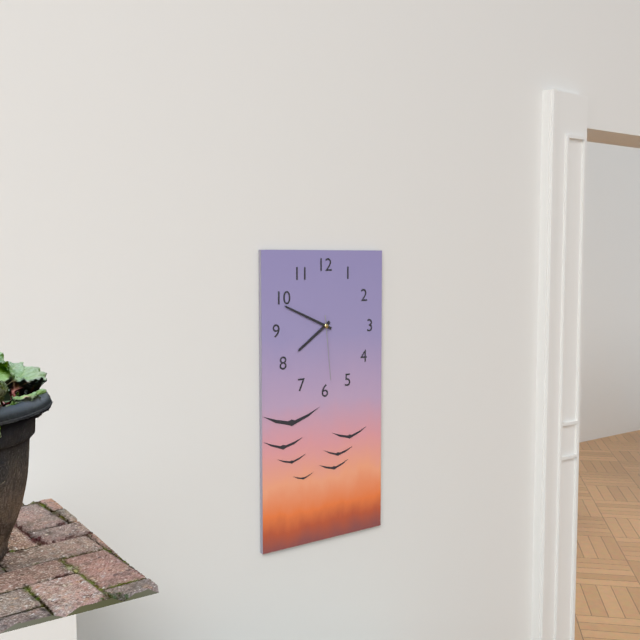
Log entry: 7h49m29s
